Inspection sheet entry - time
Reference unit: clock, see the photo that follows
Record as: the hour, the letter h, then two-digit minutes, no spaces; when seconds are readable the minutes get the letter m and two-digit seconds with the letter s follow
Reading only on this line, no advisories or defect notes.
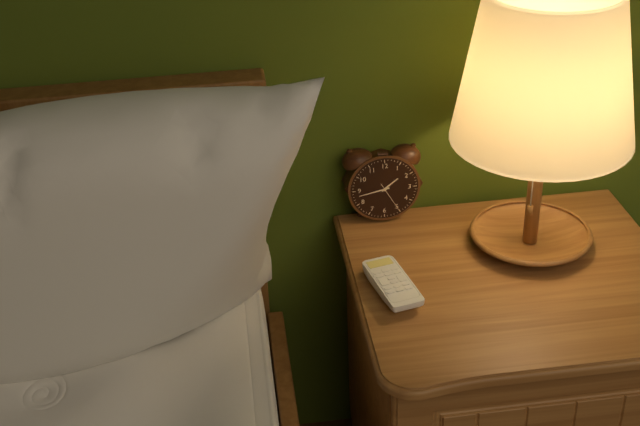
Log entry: 1h43
